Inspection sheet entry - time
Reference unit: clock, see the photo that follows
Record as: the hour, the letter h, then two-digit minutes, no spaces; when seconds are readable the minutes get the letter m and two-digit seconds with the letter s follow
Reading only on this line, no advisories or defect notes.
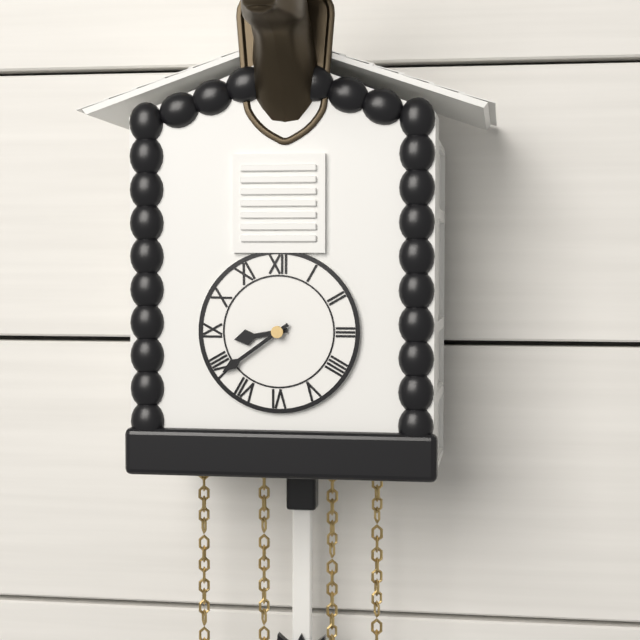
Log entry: 8h39
